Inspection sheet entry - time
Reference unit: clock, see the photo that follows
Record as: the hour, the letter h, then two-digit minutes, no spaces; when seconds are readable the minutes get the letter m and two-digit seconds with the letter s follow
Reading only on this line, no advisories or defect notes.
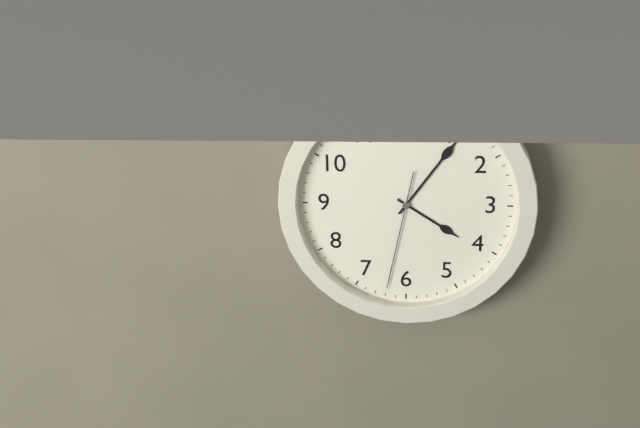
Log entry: 4h06m32s
